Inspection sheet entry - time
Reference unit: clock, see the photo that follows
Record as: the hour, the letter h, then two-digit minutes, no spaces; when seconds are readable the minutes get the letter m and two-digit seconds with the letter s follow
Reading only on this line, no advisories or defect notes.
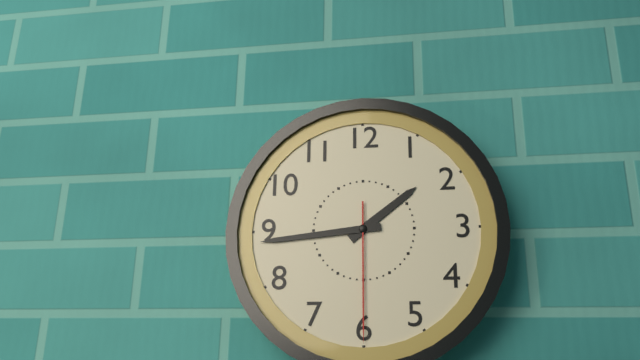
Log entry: 1h44m30s
